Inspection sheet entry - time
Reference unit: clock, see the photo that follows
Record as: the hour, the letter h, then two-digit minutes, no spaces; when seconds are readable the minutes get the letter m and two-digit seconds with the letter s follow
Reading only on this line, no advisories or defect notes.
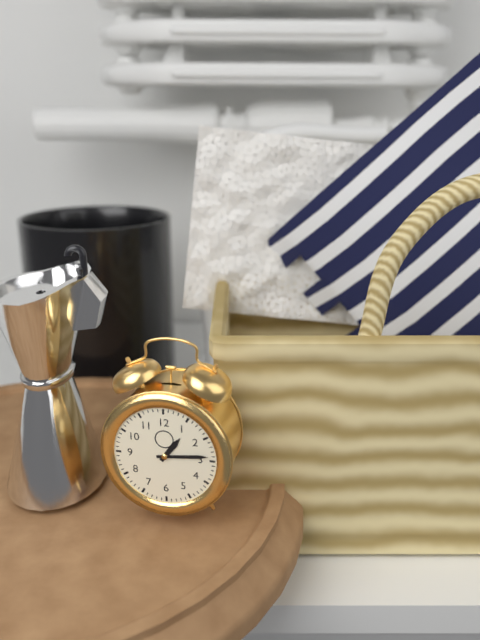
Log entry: 1h14
